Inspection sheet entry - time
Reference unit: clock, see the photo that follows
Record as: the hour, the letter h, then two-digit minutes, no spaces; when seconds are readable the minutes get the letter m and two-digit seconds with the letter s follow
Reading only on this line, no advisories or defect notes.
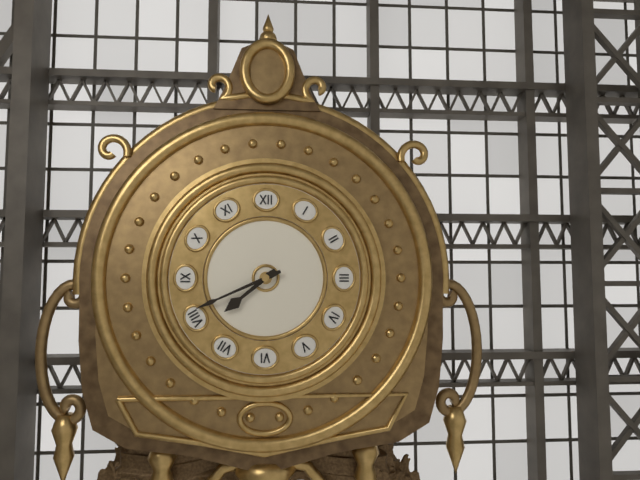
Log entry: 7h41
